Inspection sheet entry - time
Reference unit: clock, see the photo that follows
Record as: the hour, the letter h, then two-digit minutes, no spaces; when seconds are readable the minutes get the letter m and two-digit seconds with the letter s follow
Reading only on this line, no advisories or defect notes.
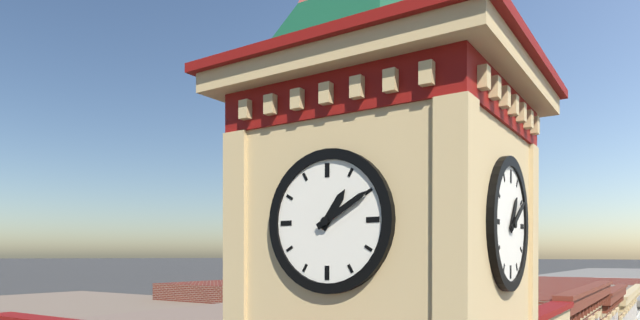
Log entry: 1h10
